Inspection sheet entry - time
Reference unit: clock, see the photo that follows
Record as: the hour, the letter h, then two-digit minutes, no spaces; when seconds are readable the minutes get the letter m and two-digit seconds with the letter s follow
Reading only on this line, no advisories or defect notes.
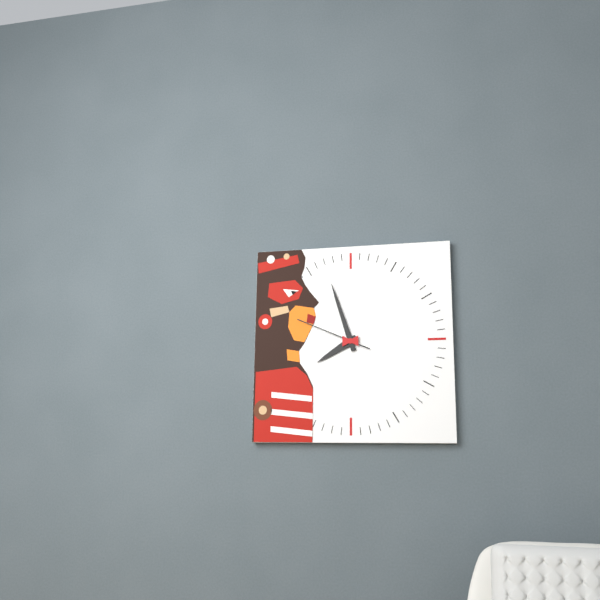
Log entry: 7h57m49s
